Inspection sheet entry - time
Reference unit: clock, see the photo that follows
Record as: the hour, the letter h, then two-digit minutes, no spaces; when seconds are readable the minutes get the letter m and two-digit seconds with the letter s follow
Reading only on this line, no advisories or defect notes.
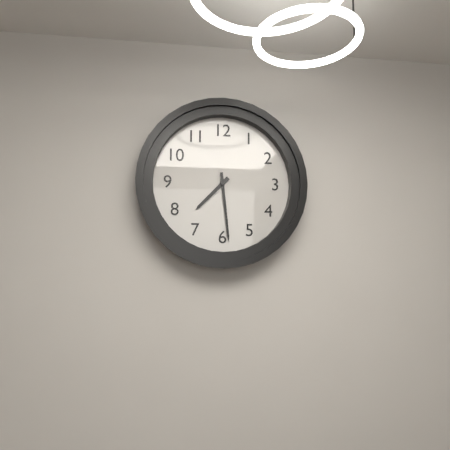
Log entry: 7h29
